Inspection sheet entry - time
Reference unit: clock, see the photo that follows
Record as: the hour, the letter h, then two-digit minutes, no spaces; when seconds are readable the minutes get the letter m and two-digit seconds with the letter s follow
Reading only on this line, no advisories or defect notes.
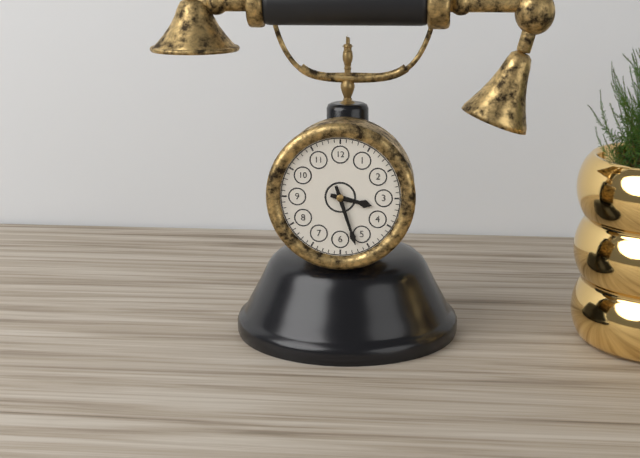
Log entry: 3h27
